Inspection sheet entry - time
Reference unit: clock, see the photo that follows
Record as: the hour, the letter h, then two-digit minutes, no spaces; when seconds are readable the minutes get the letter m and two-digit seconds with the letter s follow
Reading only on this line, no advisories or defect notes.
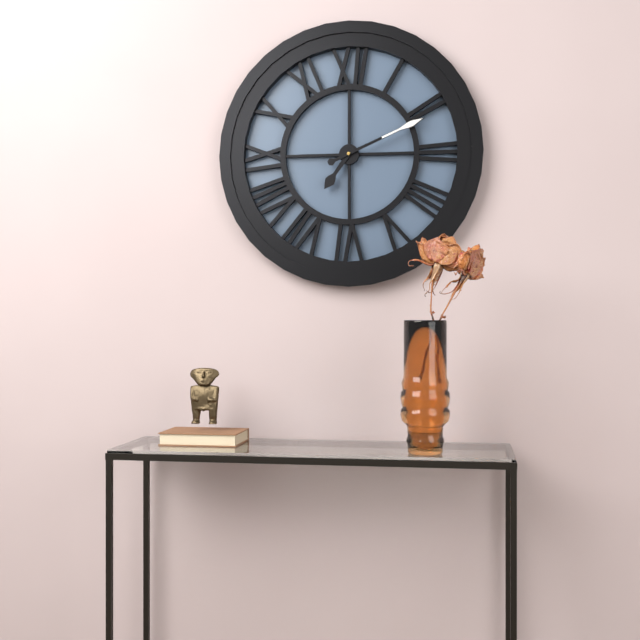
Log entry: 7h11
